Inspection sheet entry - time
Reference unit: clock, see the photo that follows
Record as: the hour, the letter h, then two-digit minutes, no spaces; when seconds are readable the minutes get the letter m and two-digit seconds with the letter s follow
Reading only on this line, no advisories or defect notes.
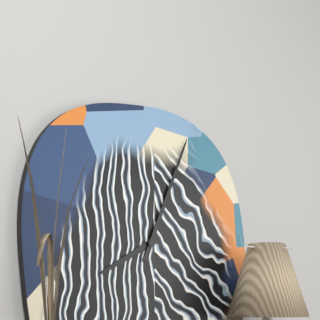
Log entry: 8h04
